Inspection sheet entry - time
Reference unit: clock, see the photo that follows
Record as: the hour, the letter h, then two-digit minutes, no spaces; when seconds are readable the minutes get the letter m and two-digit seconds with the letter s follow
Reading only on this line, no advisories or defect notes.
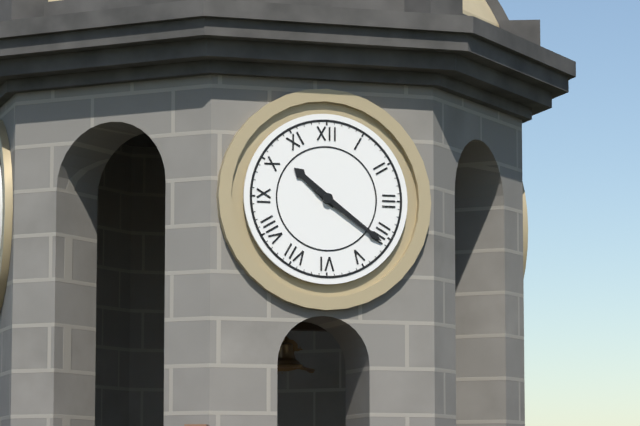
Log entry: 10h21
